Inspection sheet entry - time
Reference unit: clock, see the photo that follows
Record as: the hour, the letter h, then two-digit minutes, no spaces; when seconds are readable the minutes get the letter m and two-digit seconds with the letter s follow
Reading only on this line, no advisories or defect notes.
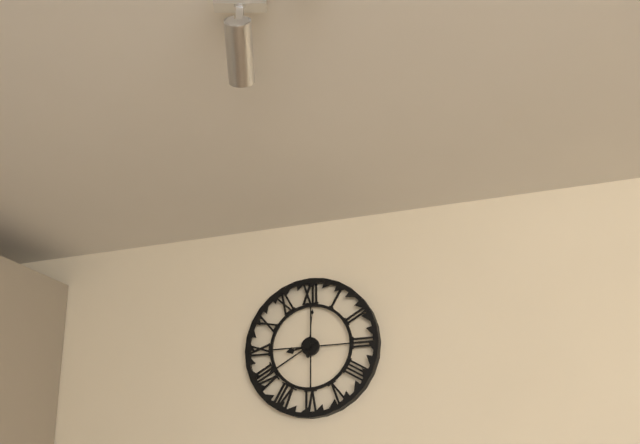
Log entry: 8h40
